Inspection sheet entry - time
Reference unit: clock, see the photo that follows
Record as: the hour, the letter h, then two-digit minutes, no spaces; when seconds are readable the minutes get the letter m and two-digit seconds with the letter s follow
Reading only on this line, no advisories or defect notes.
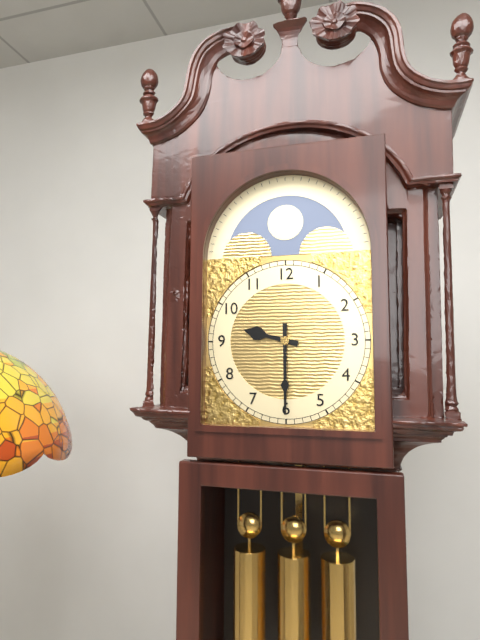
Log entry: 9h30
